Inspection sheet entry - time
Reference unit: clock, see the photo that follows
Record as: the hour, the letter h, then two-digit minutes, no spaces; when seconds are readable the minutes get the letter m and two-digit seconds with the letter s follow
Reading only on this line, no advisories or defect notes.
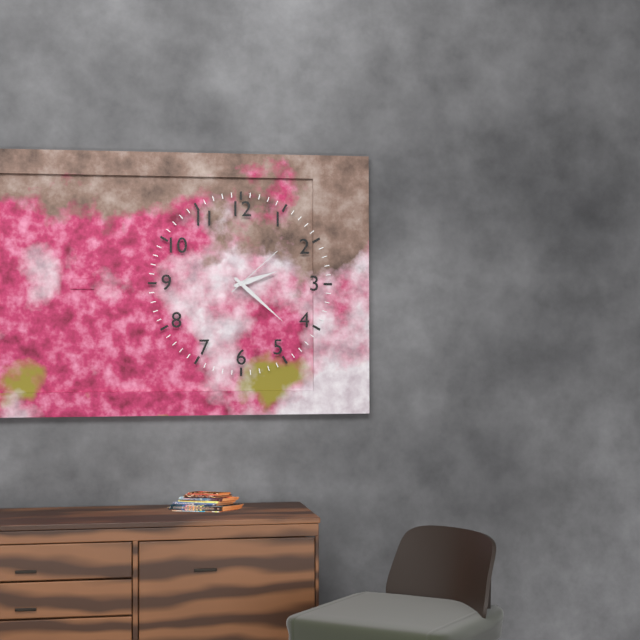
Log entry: 2h22m08s
